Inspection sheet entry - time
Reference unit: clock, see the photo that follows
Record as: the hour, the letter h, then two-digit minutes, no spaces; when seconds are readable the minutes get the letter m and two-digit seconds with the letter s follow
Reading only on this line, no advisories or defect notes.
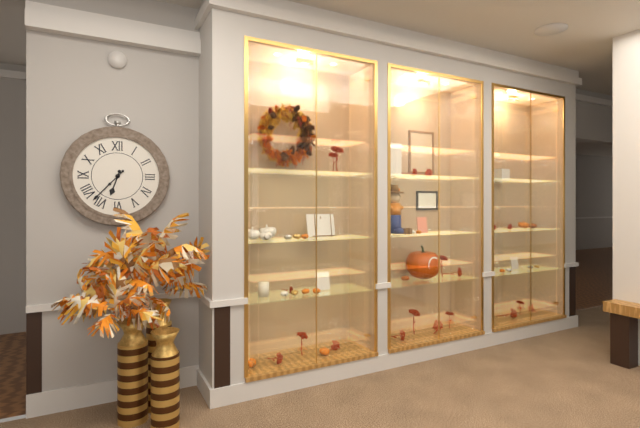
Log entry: 6h37
